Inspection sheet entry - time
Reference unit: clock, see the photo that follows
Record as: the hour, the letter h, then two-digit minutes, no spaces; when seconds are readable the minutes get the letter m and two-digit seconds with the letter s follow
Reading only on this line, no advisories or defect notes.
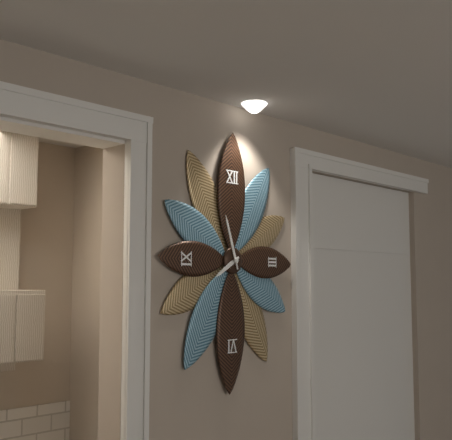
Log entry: 7h57
